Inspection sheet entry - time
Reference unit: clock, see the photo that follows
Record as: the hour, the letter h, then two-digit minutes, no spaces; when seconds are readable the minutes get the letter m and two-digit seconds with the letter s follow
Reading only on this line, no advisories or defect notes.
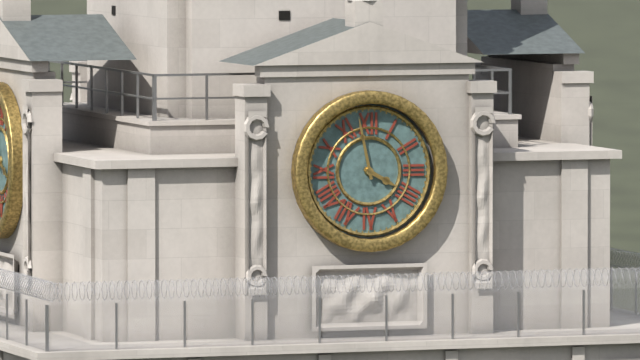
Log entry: 3h58
